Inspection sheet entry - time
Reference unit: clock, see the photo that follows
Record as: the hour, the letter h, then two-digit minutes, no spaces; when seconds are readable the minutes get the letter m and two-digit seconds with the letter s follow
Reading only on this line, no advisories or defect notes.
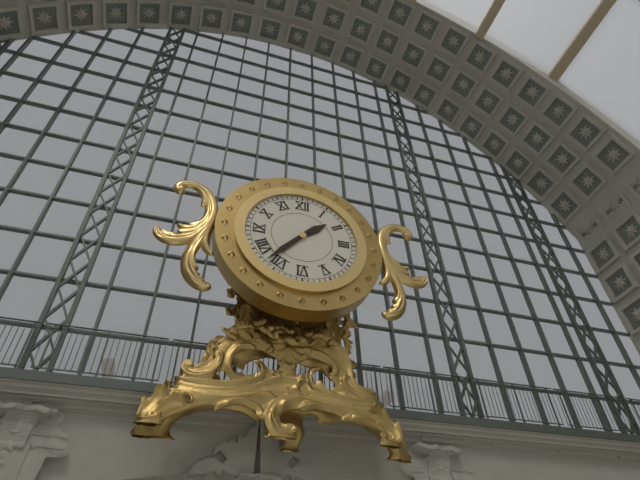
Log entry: 1h37
